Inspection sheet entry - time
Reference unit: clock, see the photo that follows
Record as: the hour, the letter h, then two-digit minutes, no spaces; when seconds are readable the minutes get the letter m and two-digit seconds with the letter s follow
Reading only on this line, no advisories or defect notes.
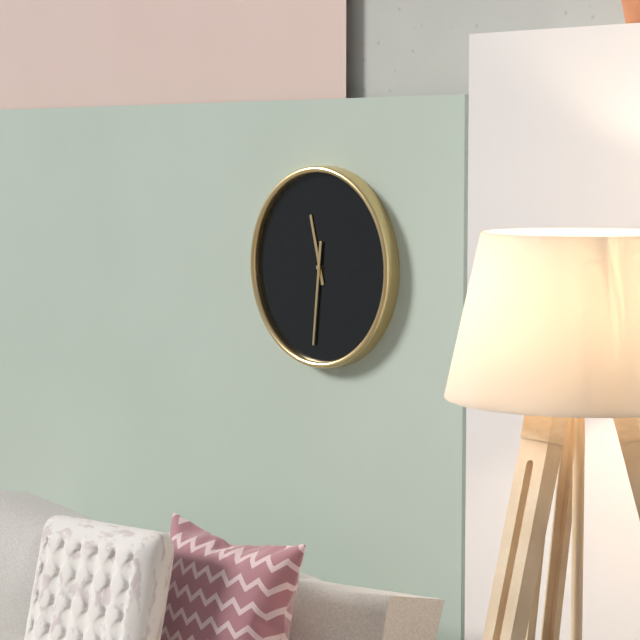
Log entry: 11h31
